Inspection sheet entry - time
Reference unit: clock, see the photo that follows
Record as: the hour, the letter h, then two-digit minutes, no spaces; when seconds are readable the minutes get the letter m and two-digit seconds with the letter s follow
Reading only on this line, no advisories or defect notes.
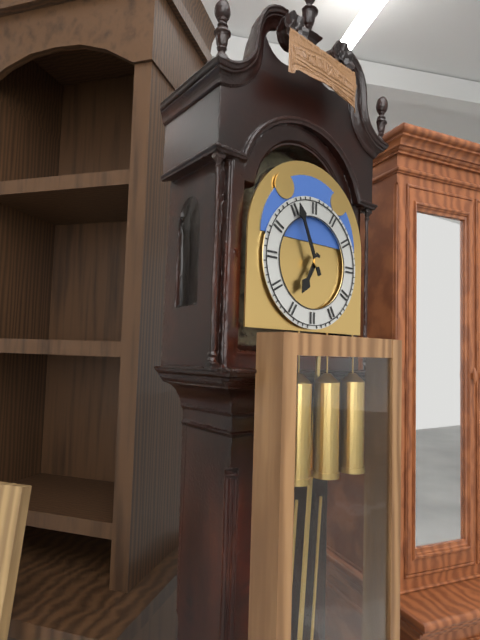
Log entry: 6h56
